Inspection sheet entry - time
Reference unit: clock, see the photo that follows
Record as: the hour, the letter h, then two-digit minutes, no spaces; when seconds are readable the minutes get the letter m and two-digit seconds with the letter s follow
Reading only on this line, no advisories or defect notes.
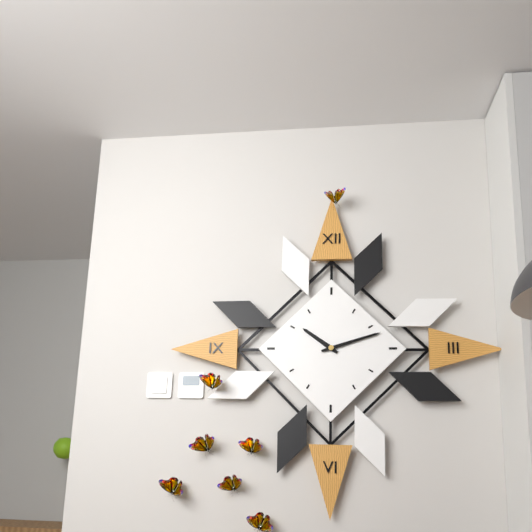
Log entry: 10h12
